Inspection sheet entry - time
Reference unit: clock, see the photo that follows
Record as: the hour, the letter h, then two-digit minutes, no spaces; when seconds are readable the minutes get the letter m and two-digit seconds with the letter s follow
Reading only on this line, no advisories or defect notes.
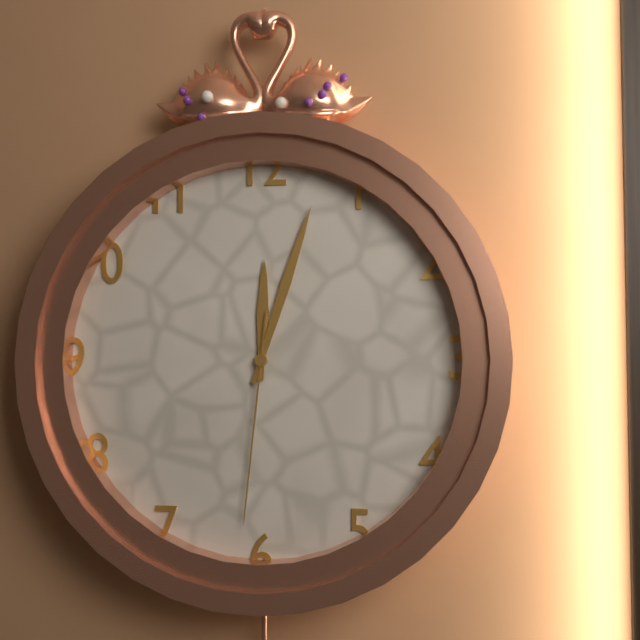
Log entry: 12h03m31s
